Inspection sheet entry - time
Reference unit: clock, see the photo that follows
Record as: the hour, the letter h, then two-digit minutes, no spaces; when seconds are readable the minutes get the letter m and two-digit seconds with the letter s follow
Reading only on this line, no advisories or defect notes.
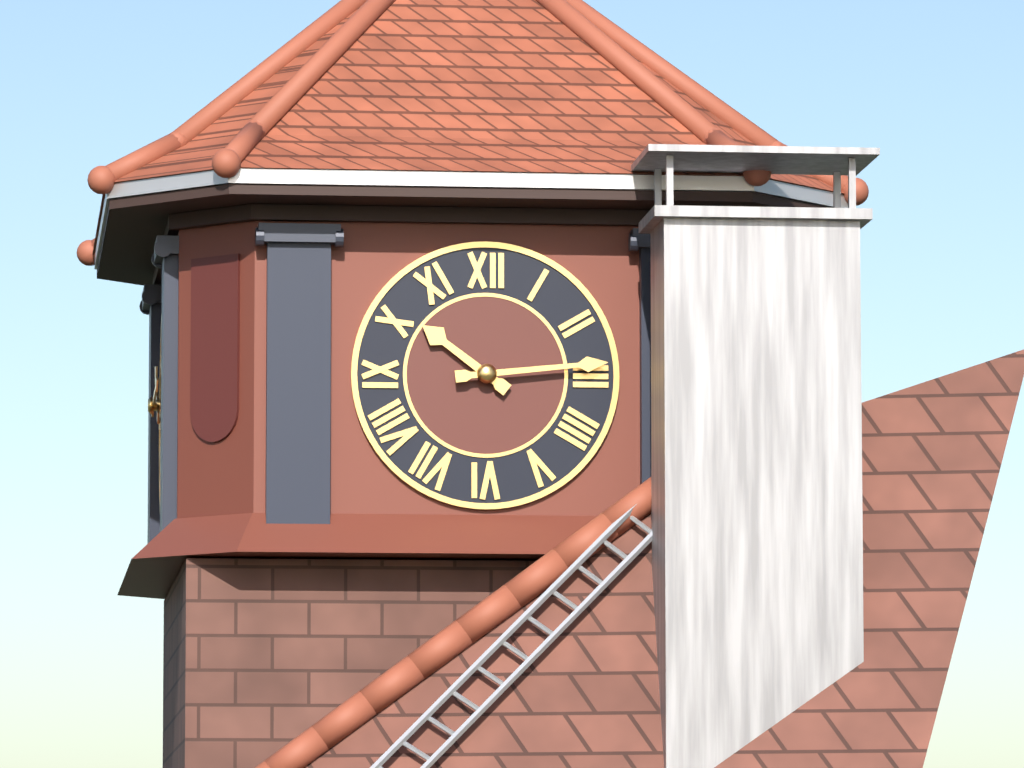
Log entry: 10h14
